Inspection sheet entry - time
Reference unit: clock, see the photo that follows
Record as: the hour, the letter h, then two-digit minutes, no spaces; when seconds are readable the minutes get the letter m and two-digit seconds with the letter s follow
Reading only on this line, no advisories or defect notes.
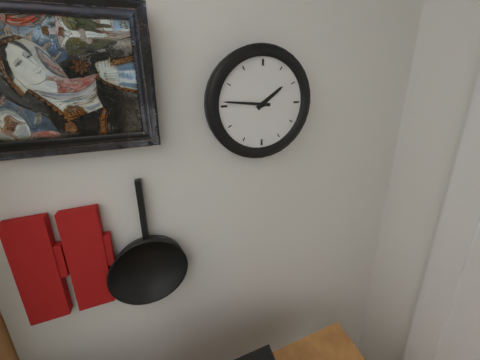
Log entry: 1h46
